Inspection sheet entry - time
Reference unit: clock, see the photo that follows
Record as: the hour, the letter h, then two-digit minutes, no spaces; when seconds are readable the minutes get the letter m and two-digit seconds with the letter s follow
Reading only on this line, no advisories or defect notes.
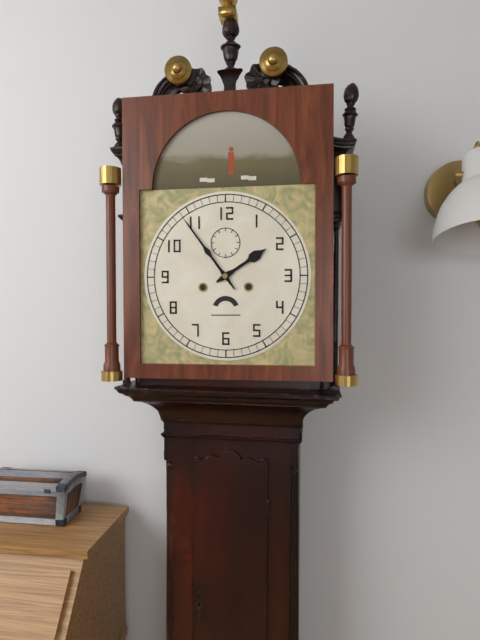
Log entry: 1h54
